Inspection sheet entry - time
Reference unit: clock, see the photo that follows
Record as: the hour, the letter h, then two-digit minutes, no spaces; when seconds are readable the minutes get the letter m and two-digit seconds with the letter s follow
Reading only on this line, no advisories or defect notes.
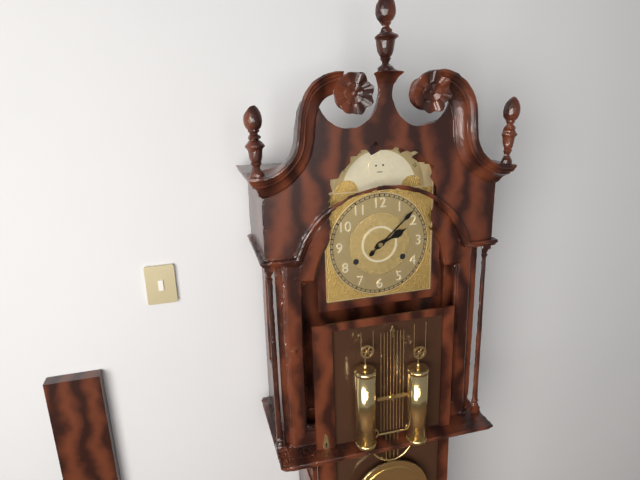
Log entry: 2h08
